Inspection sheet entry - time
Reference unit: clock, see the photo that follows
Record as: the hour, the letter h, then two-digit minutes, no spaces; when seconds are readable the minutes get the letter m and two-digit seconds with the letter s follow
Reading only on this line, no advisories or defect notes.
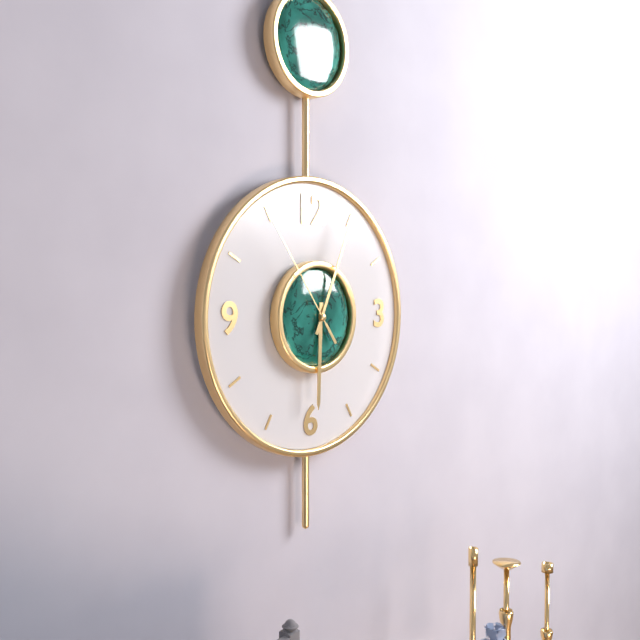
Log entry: 6h04m54s
